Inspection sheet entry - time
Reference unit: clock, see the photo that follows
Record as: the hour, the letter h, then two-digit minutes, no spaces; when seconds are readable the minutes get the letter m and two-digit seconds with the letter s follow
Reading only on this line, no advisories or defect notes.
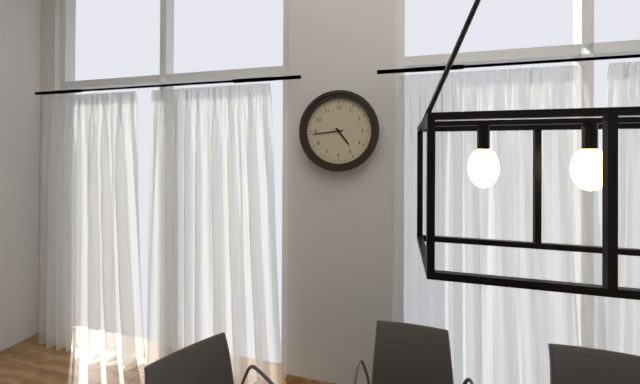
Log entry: 4h44
